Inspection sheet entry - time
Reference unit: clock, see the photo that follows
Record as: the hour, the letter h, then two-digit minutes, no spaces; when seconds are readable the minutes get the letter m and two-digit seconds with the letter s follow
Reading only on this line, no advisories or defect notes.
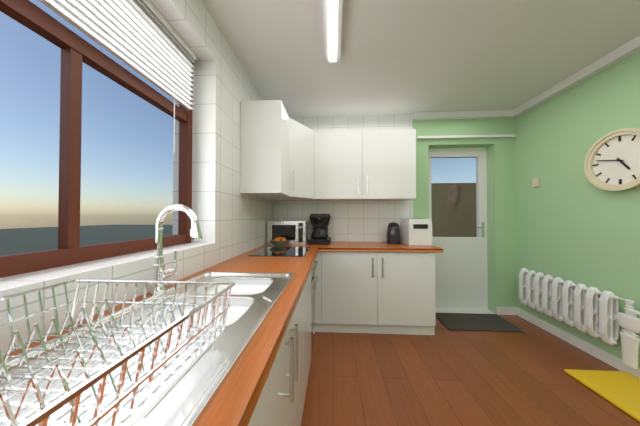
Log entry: 4h47
